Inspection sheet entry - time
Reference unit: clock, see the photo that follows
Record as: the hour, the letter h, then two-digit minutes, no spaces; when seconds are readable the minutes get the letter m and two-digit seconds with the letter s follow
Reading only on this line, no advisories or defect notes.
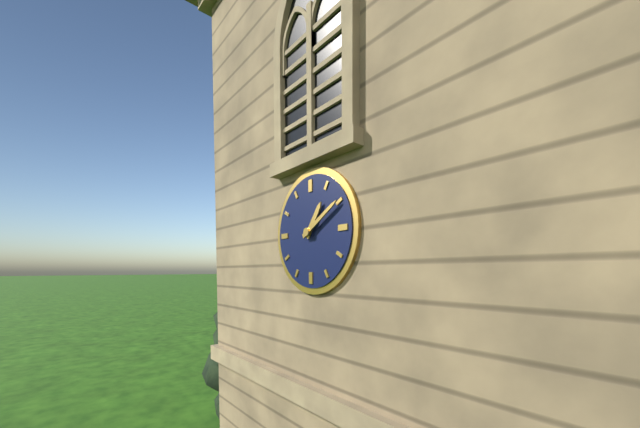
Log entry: 1h10
